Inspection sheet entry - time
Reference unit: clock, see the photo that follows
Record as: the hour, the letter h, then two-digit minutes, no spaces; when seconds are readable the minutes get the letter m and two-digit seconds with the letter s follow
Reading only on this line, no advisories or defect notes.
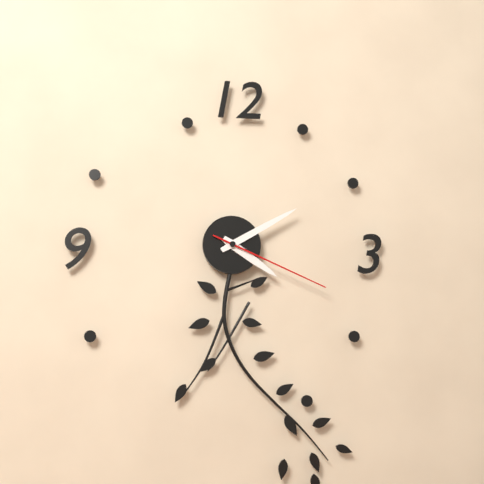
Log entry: 4h10m19s
